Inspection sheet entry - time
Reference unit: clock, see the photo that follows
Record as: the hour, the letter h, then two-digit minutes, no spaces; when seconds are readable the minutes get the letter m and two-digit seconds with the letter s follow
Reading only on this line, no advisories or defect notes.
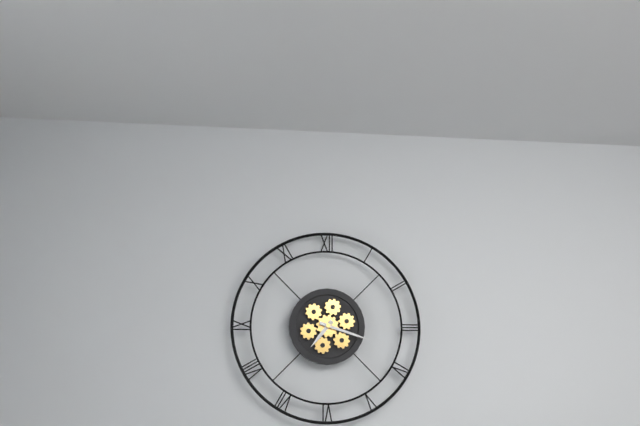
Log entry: 7h18
